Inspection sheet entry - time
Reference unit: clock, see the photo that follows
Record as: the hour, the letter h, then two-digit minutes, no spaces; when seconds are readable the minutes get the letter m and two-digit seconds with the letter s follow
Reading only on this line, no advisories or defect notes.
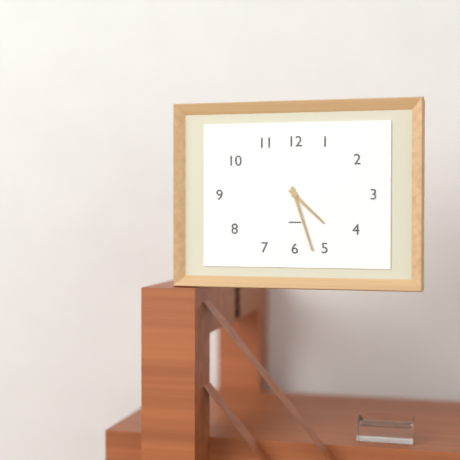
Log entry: 4h27
